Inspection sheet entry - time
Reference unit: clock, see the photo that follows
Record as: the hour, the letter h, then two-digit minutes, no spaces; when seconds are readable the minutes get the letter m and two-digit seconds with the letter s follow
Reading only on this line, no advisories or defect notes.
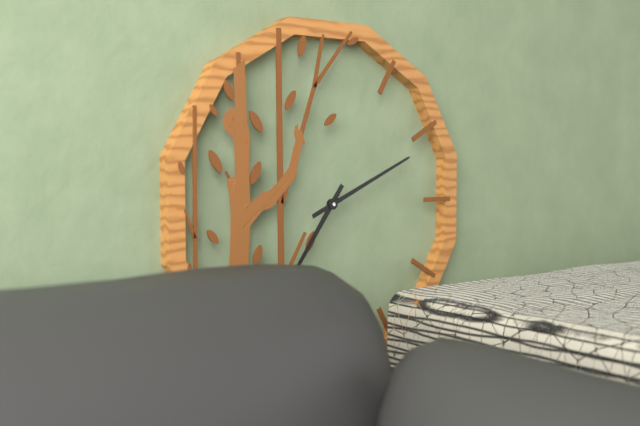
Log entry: 7h11
